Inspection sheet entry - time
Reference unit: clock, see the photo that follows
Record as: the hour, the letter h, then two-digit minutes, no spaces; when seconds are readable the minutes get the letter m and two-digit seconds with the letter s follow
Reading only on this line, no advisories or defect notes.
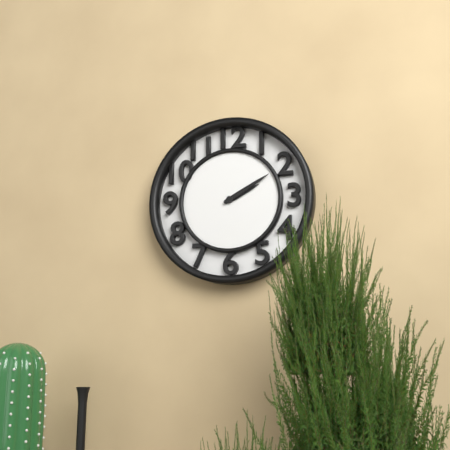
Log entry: 2h10
